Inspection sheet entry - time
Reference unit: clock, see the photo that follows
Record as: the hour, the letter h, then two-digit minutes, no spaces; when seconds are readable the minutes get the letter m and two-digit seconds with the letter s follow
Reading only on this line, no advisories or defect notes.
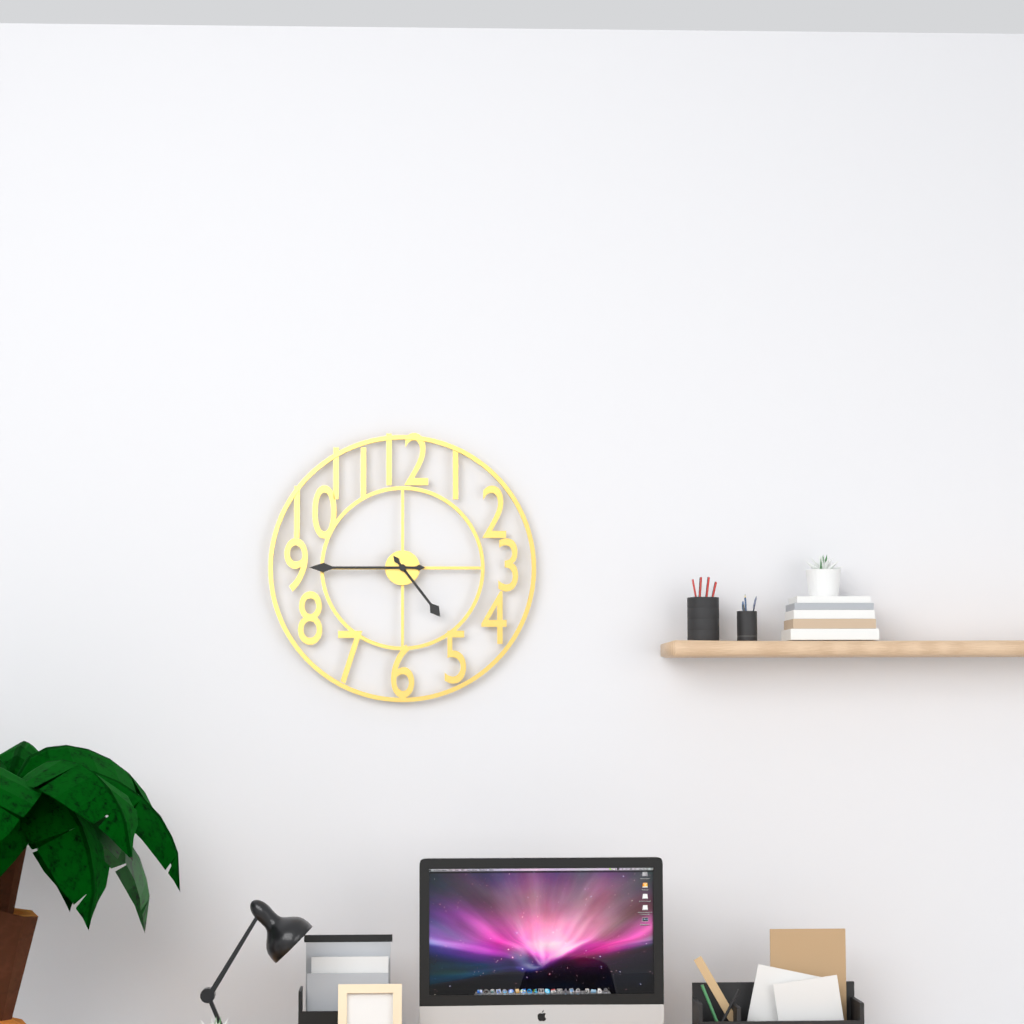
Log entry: 4h45
